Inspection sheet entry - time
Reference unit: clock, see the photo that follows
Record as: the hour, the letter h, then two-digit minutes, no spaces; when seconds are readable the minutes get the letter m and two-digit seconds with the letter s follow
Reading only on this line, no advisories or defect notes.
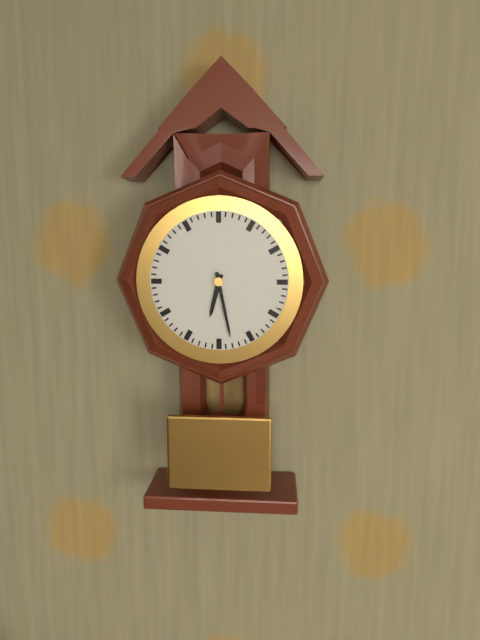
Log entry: 6h28
